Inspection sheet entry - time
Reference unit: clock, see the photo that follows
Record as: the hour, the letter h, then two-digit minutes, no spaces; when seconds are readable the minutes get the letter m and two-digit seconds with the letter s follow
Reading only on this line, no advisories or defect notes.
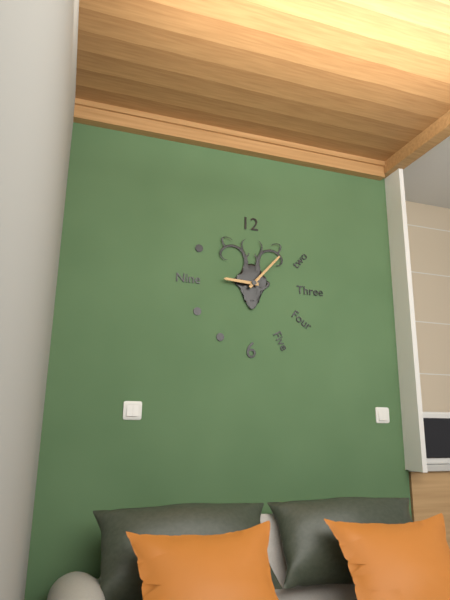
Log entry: 9h07
